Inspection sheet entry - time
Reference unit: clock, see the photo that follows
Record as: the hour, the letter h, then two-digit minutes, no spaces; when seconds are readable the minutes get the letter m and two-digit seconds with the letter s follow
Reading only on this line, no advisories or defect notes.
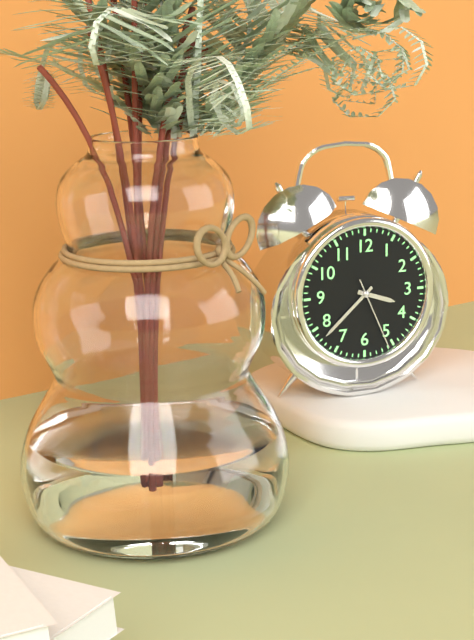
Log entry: 3h38m26s
